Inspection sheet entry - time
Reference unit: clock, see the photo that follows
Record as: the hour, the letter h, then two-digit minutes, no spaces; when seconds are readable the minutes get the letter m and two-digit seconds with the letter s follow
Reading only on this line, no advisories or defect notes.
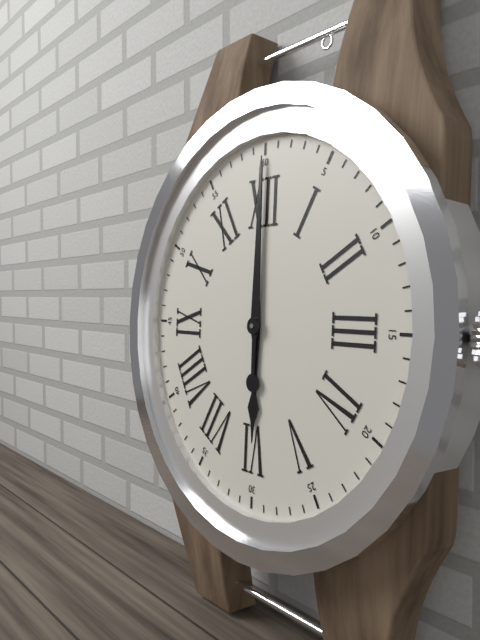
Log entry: 6h00
